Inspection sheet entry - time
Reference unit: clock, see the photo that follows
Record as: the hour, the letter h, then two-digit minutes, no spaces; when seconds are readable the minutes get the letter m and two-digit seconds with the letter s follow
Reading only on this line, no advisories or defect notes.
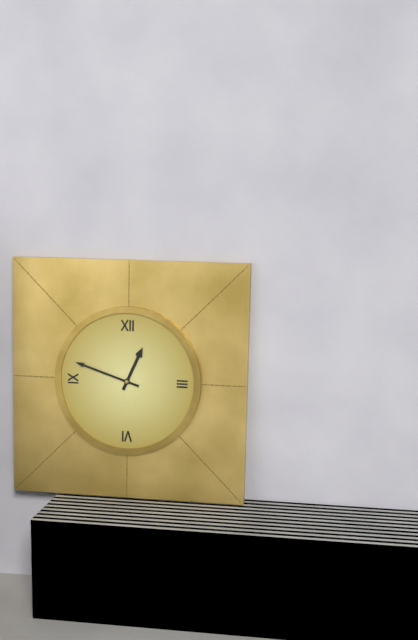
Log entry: 12h48
